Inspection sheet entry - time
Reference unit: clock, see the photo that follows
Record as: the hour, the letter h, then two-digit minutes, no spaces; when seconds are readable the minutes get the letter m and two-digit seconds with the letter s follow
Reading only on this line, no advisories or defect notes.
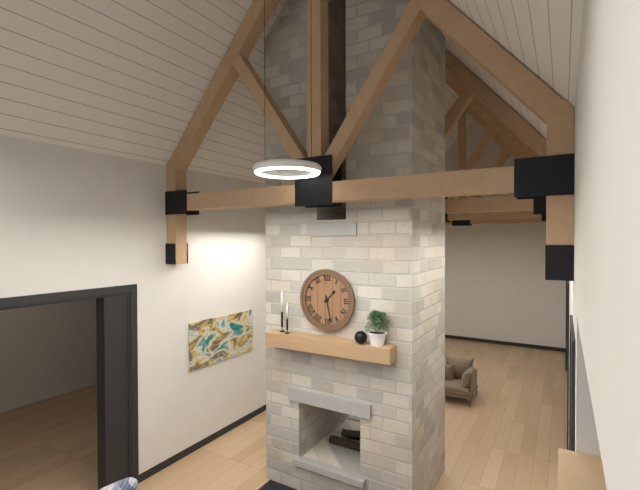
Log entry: 1h28
